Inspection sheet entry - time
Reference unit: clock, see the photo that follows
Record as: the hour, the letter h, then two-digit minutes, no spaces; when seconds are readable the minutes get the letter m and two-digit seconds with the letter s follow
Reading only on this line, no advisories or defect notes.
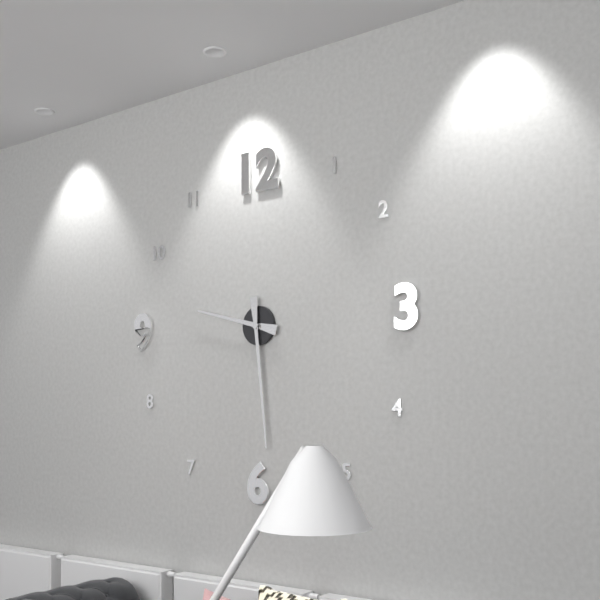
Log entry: 9h29
